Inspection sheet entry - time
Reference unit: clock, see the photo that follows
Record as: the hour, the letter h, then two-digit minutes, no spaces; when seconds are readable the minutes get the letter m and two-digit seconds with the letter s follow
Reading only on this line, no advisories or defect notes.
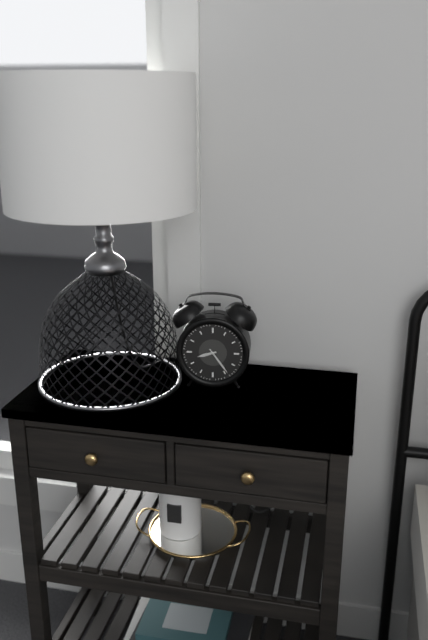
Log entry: 8h24
